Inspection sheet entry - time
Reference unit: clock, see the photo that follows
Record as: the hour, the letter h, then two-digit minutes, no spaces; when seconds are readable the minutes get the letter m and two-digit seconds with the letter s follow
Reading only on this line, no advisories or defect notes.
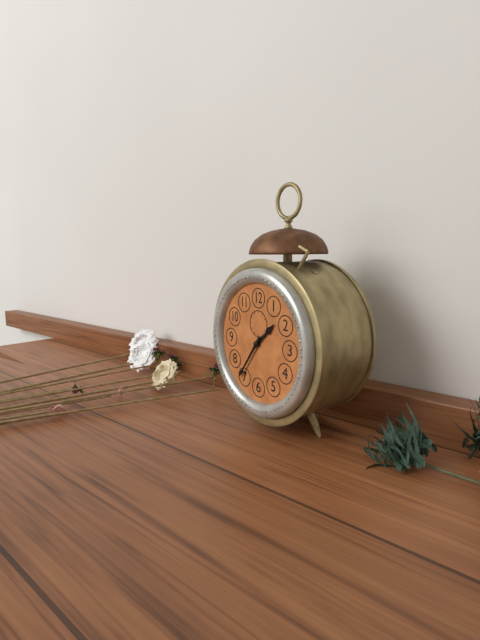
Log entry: 1h36
